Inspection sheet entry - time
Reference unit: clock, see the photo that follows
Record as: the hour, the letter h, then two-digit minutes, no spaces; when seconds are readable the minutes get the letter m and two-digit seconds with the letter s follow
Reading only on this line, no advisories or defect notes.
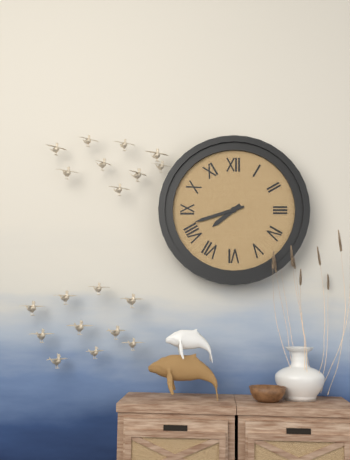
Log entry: 7h42
